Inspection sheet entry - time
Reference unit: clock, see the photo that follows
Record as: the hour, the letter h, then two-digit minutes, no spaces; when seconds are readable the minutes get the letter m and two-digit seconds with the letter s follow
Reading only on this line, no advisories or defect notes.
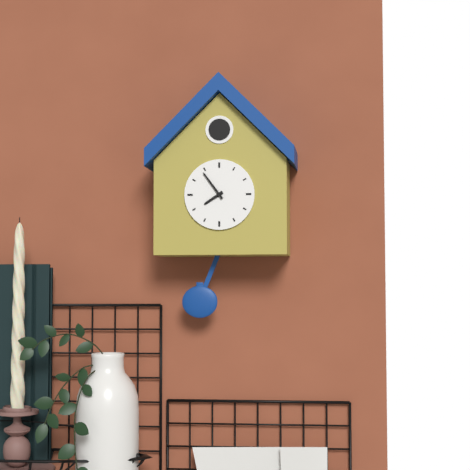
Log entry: 7h54
